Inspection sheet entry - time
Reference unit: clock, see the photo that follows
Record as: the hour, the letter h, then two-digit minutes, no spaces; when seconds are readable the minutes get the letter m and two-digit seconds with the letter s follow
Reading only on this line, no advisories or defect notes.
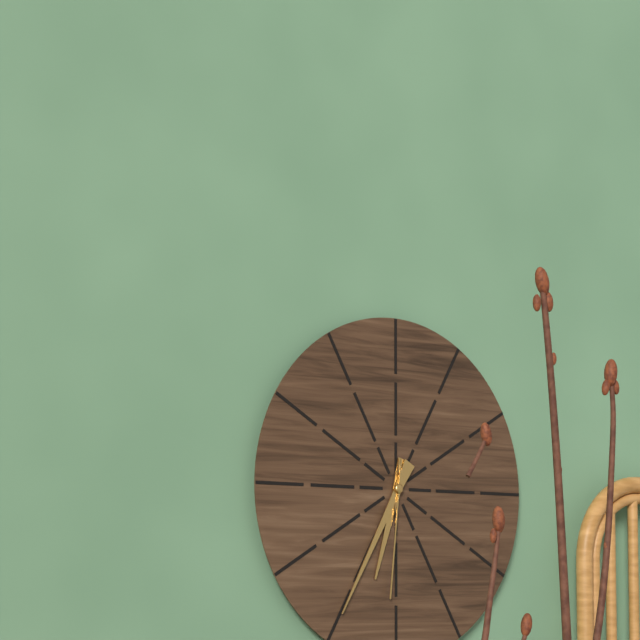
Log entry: 6h35m31s
